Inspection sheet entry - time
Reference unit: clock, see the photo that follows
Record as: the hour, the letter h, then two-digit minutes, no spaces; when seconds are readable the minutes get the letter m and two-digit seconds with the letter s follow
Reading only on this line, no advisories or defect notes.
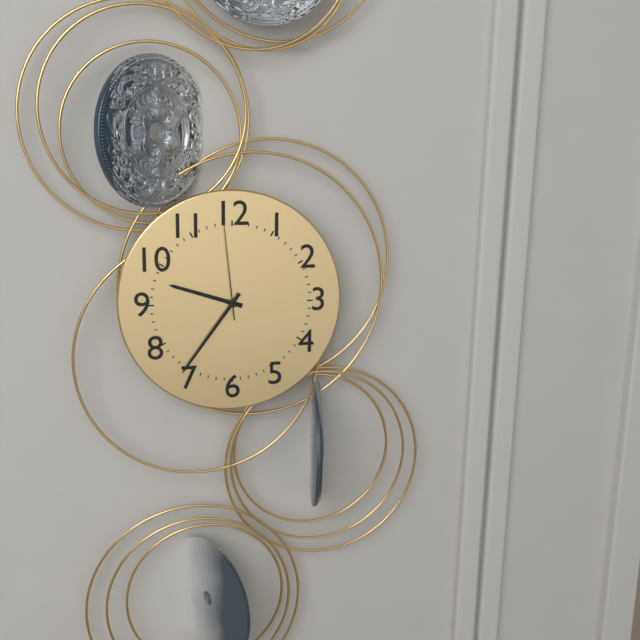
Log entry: 9h36m59s
